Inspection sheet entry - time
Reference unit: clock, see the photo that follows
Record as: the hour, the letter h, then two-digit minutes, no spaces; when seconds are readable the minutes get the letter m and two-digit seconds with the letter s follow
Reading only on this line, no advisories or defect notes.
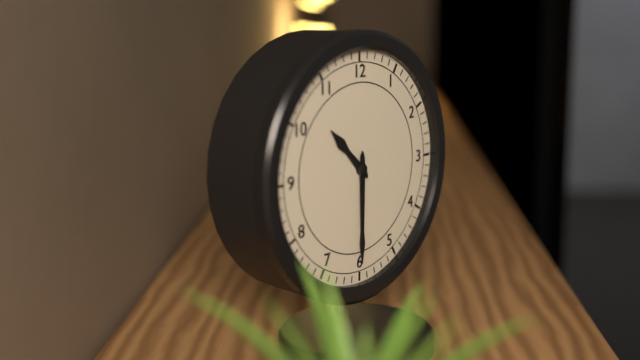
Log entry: 10h30
